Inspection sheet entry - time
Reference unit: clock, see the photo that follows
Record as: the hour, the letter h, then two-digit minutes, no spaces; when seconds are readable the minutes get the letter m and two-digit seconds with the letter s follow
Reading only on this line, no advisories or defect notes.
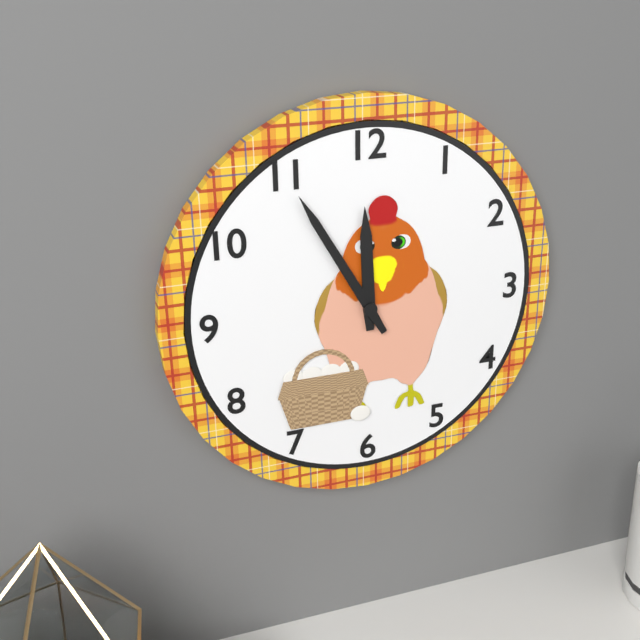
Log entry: 11h55
